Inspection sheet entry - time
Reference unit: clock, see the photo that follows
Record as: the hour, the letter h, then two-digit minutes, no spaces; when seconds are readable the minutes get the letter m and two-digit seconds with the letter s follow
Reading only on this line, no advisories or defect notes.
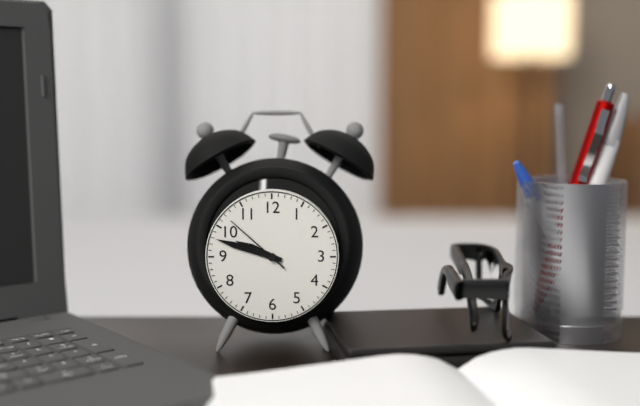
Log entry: 9h48m52s
